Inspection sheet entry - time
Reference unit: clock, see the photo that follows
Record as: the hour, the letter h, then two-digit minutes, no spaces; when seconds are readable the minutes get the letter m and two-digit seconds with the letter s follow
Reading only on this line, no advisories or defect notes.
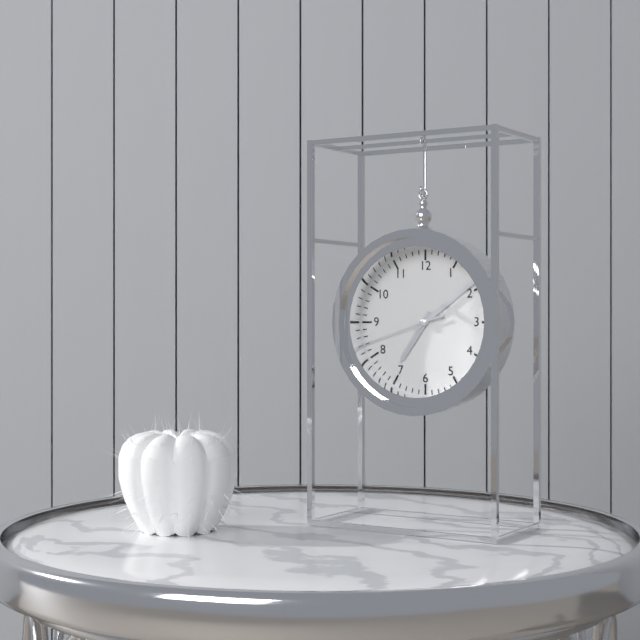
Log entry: 7h09m42s
